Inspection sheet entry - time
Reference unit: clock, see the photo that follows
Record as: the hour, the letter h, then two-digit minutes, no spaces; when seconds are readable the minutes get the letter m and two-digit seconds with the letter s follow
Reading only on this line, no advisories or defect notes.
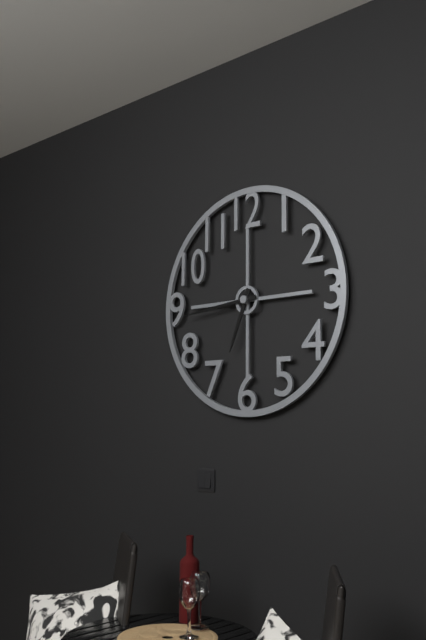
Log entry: 6h44
